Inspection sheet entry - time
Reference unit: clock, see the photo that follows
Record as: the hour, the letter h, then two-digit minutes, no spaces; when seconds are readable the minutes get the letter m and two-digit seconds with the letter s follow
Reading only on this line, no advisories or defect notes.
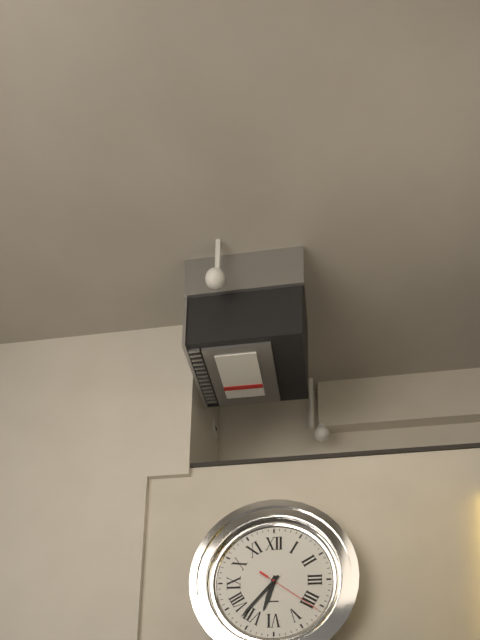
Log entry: 6h37m21s
